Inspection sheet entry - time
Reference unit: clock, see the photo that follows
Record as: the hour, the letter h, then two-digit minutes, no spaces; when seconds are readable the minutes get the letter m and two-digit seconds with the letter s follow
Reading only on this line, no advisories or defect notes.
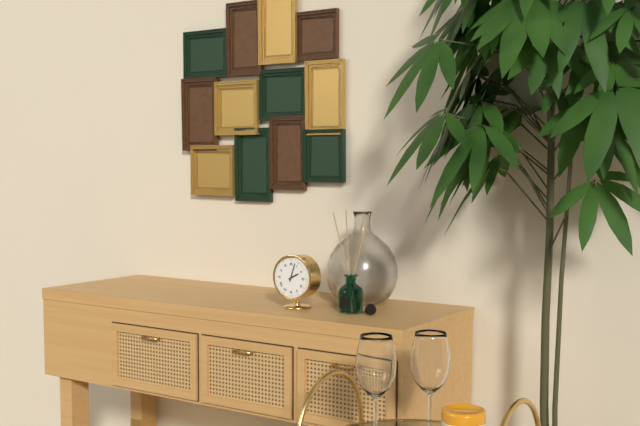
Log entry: 2h03
